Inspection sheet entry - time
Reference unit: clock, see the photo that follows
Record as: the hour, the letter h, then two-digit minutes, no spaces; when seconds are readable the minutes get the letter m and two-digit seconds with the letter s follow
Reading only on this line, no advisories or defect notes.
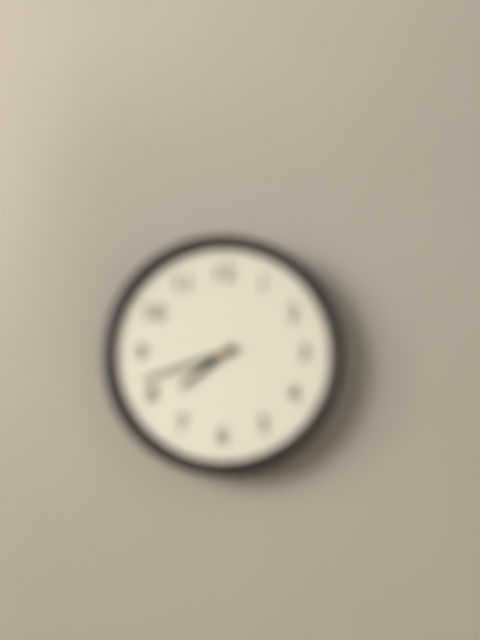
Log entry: 7h42
